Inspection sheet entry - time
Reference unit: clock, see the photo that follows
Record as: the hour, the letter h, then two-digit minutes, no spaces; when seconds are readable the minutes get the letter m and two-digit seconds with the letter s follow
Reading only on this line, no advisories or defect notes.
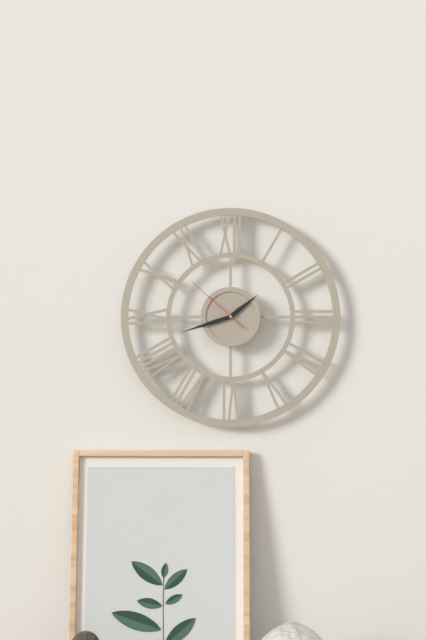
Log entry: 1h42m52s
